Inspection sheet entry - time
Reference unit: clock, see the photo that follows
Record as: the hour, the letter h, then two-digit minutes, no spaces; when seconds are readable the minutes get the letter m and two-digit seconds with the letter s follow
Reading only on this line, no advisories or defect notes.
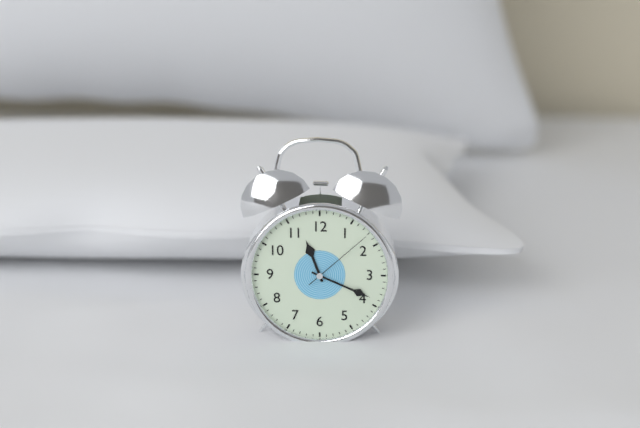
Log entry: 11h19m08s
